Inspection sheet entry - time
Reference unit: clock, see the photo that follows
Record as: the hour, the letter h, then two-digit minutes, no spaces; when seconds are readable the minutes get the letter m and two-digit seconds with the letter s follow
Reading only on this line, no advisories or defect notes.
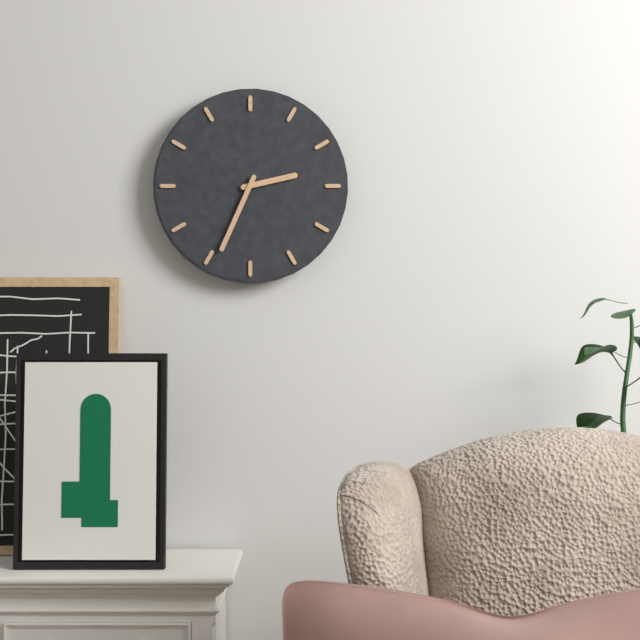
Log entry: 2h34
